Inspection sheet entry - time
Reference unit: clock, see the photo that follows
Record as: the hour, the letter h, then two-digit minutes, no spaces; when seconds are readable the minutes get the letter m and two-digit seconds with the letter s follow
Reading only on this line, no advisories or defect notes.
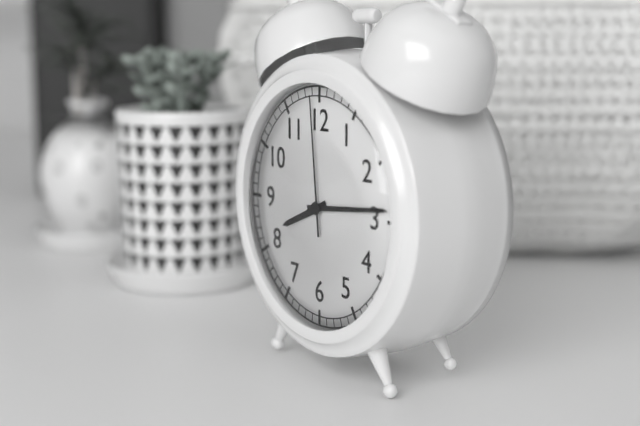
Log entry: 8h14m59s
